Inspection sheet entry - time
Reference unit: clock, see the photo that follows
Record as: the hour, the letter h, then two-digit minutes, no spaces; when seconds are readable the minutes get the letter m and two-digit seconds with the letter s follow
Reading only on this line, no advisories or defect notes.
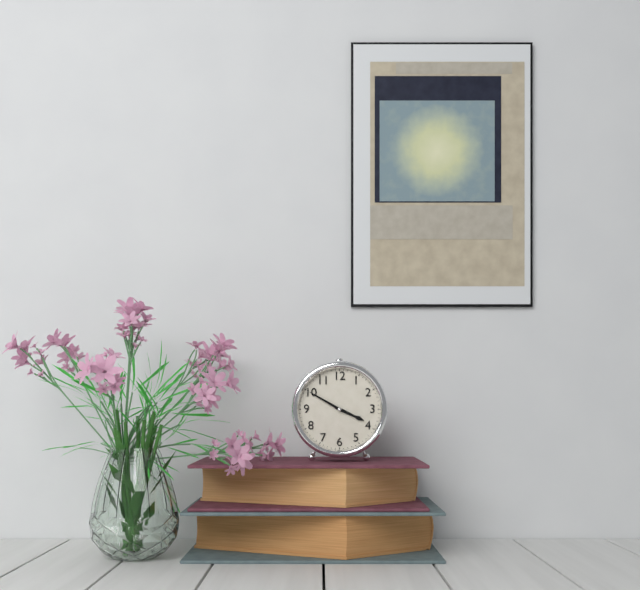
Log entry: 3h50
